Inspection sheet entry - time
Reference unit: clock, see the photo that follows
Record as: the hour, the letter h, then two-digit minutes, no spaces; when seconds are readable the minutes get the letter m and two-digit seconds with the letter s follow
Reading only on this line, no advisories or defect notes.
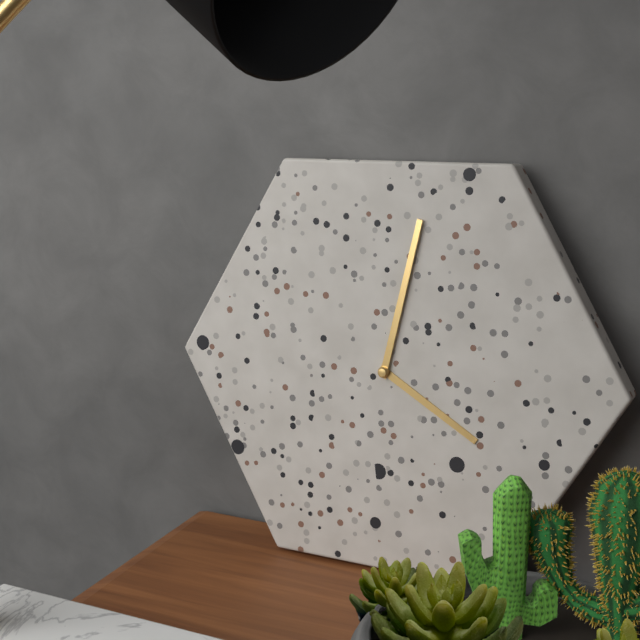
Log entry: 4h02
